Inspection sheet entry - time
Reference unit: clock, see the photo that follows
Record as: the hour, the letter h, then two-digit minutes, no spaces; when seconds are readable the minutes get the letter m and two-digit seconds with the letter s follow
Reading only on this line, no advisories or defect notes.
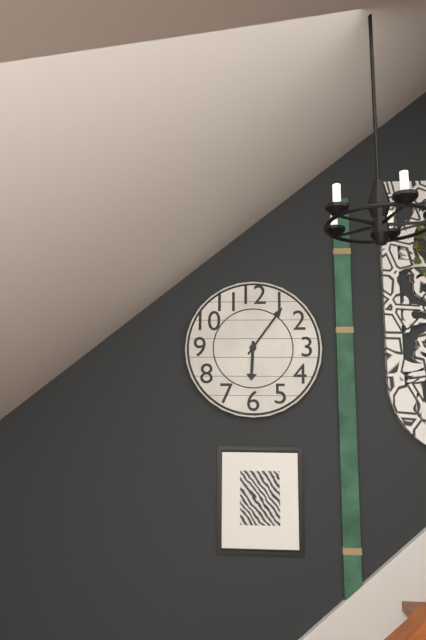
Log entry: 6h06
